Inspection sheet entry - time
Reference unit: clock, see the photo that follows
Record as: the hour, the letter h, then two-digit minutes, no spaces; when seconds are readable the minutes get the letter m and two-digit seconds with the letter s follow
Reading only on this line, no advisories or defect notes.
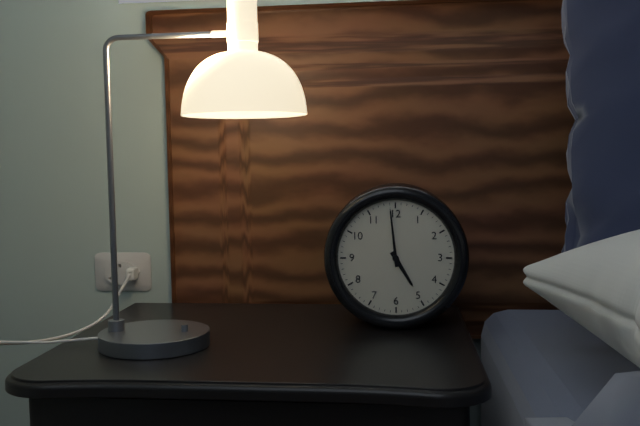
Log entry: 4h59
